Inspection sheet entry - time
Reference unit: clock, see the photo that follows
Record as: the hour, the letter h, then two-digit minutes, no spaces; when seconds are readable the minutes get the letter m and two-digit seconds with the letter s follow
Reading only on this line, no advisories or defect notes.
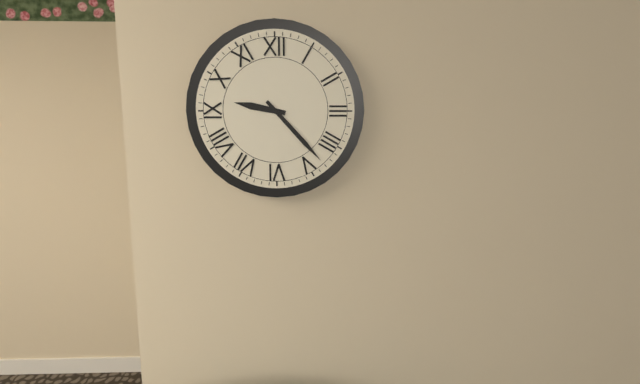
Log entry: 9h23
